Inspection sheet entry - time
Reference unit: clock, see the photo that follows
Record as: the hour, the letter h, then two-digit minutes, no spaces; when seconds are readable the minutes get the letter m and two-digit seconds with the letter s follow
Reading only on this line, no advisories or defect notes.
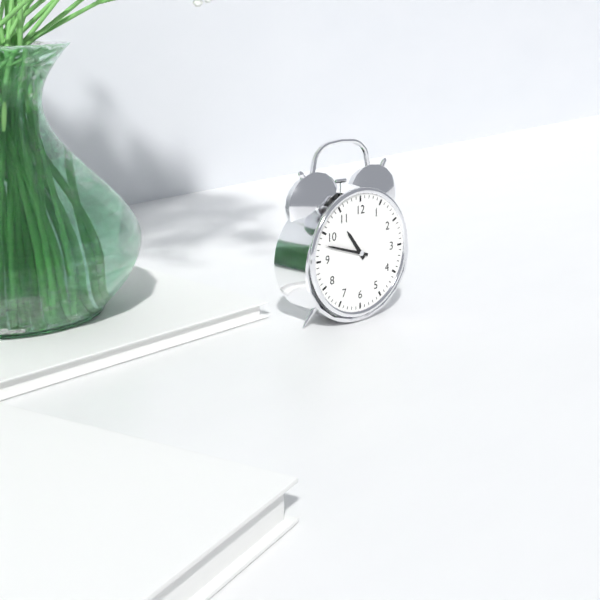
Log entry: 10h48
